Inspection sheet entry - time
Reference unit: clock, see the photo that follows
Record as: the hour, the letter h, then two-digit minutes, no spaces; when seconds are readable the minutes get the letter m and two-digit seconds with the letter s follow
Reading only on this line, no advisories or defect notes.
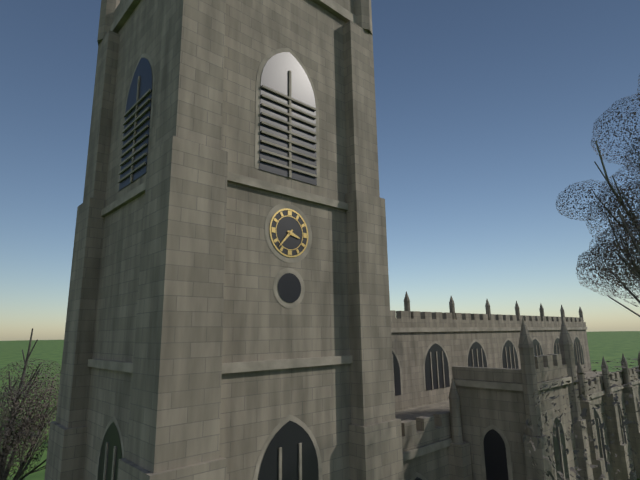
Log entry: 3h37
